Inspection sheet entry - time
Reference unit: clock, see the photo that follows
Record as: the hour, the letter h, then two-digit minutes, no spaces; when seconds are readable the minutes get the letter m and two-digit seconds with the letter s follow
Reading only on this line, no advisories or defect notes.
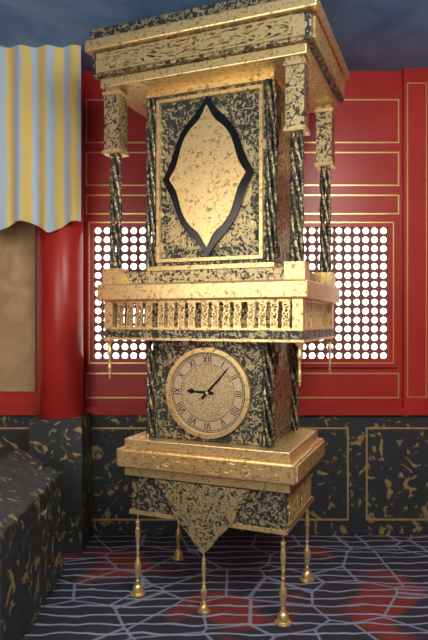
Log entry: 9h07
